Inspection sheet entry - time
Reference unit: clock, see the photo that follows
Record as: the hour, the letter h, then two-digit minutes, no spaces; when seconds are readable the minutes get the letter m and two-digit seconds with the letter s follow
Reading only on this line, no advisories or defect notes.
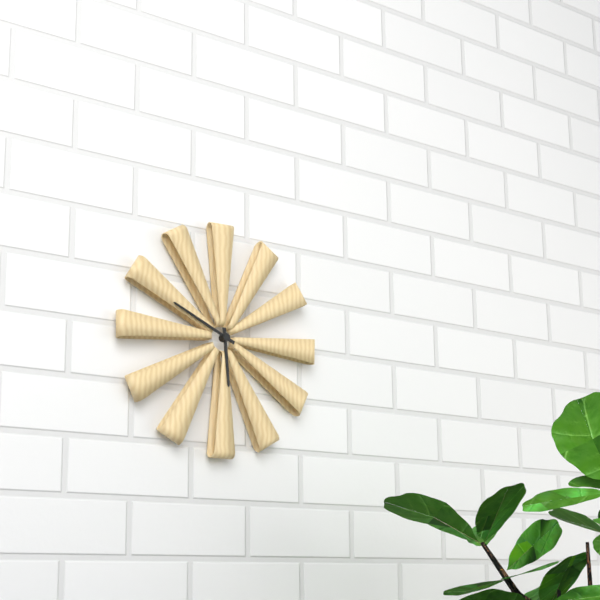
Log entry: 5h49
